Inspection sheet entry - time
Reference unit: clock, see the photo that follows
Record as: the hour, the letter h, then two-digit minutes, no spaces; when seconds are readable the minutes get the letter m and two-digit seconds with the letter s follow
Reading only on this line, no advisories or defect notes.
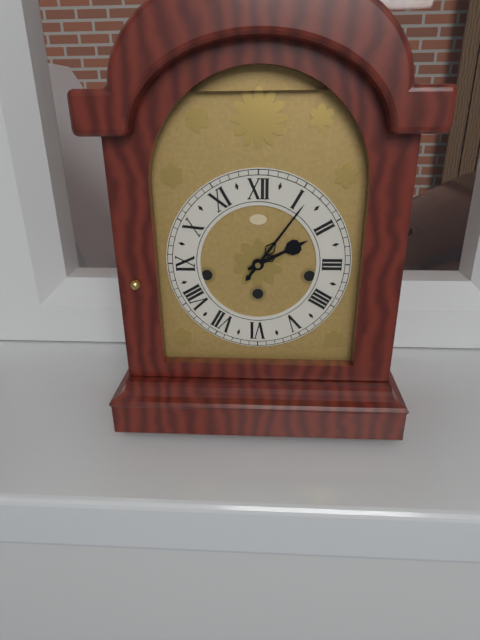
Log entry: 2h06
